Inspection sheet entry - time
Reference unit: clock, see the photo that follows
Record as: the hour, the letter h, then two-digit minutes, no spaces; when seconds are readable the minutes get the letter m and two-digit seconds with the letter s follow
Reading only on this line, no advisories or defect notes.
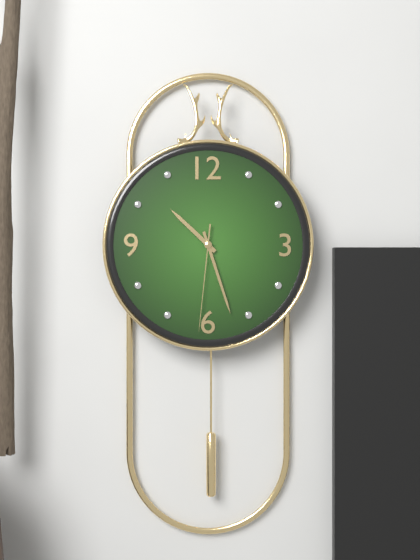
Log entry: 10h27m31s
